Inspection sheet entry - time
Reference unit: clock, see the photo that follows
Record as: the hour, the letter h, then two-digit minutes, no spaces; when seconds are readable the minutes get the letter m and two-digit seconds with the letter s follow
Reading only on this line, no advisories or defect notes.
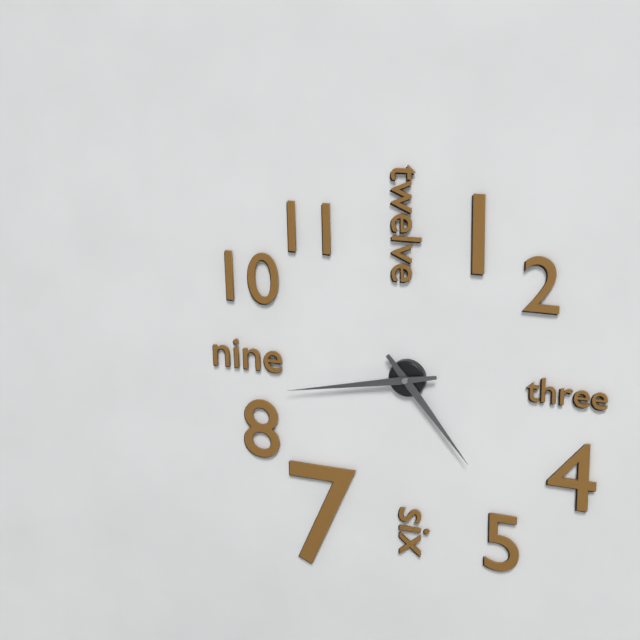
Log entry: 4h43
